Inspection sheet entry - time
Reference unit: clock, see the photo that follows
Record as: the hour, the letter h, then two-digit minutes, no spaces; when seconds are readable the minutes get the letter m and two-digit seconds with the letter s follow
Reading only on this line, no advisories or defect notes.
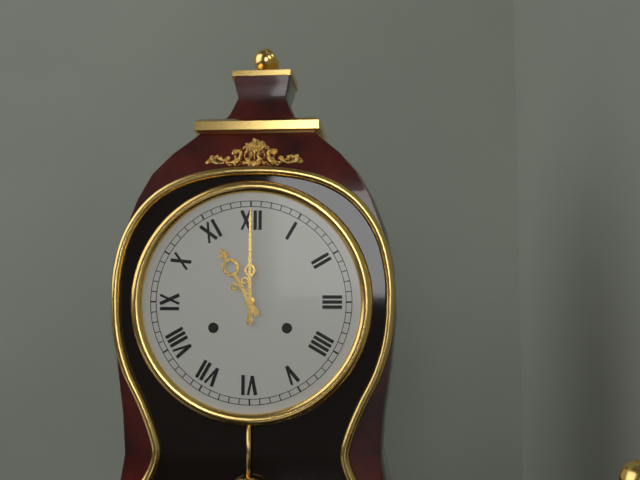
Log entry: 11h00
